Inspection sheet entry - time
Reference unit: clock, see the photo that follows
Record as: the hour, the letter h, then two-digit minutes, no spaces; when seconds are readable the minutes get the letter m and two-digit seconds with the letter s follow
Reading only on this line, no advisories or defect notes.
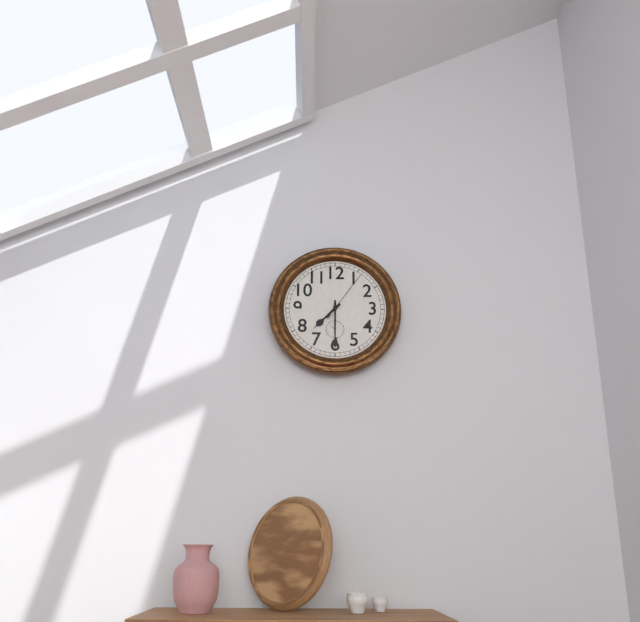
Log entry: 7h30m06s
